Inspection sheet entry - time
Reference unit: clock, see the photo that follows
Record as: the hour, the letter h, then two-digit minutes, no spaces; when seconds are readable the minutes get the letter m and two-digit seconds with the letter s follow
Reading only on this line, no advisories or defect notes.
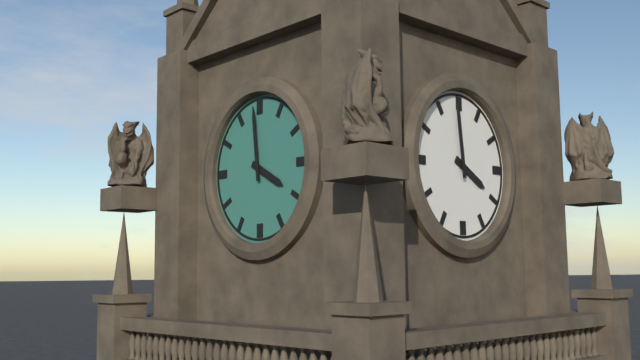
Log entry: 3h59
